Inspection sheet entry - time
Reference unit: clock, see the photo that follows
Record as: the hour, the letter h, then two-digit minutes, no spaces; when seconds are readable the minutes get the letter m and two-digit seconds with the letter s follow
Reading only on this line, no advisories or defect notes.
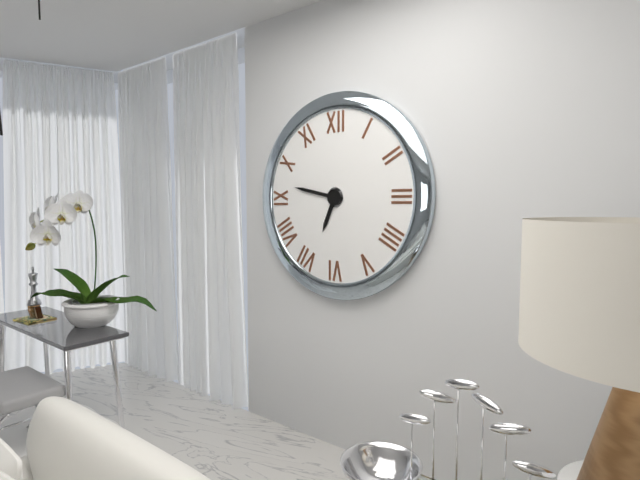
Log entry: 6h47
